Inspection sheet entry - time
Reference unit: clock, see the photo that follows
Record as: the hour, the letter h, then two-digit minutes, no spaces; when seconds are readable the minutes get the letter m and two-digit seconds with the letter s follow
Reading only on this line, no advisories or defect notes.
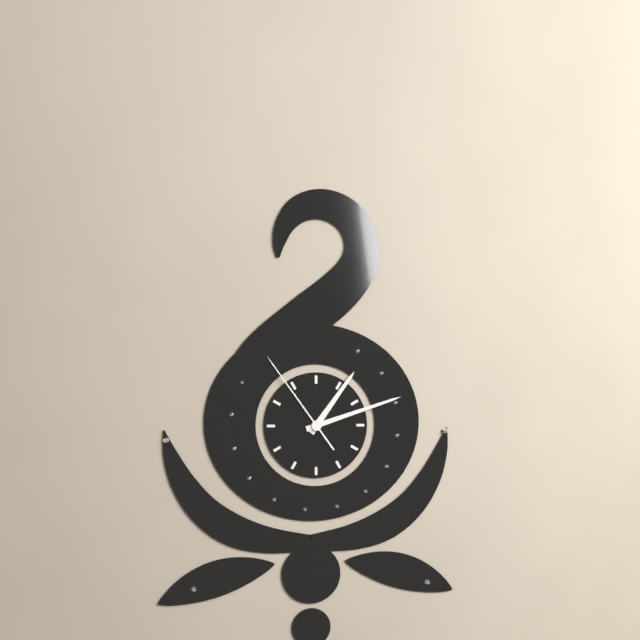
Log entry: 1h12m54s
